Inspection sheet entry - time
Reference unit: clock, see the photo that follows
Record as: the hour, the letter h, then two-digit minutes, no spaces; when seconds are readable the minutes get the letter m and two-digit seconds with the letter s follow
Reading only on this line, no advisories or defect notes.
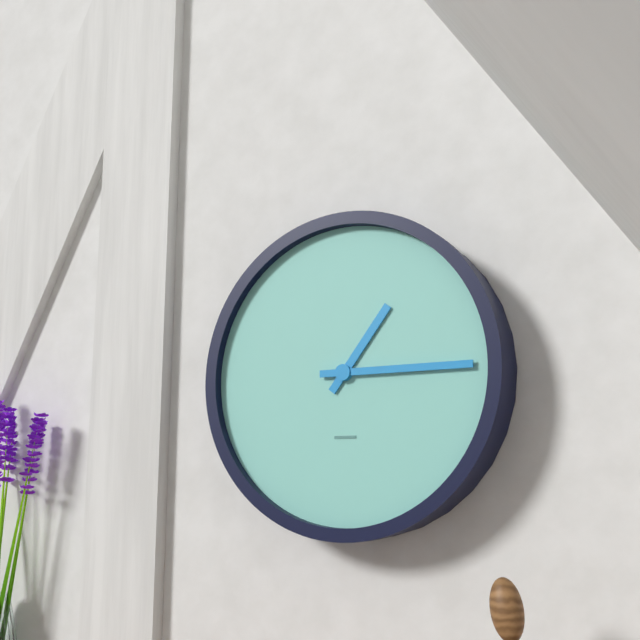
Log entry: 1h15
